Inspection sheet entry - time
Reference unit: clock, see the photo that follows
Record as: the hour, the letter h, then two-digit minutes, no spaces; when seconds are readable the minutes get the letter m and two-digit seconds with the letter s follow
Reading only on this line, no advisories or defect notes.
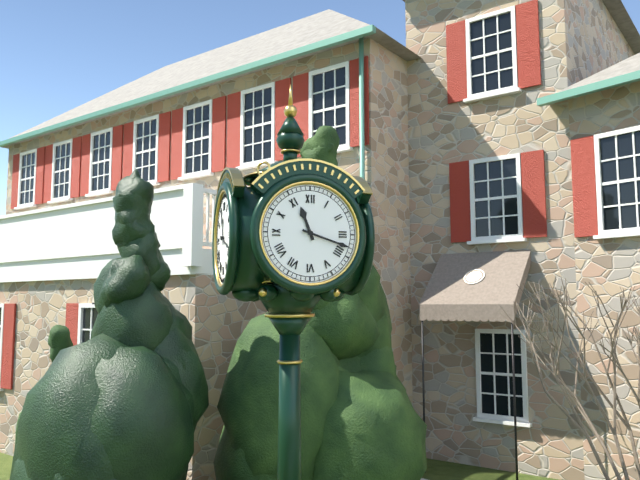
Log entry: 11h18
